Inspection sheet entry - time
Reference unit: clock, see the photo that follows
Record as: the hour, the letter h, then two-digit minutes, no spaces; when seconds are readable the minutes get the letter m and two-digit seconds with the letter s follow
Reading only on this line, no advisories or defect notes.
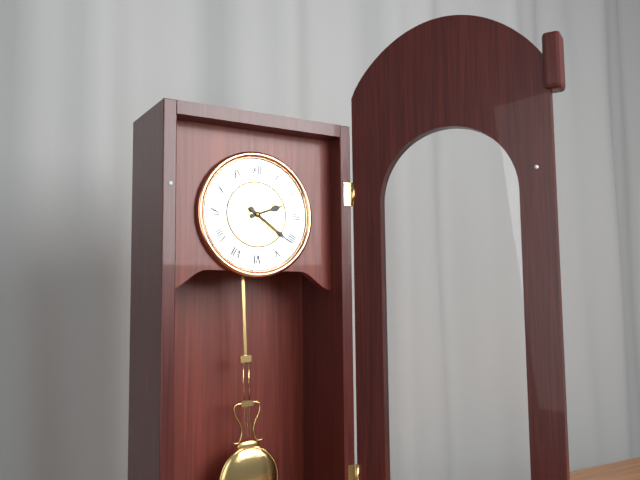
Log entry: 2h21
